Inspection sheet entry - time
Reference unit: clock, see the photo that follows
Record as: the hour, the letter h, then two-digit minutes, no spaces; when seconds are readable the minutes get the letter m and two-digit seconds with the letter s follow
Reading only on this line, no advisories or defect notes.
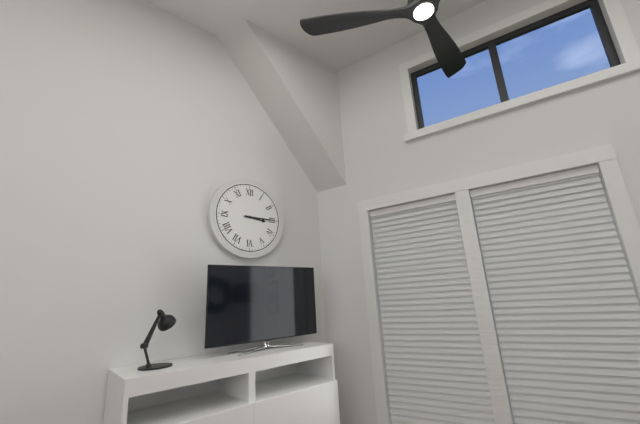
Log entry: 3h15
